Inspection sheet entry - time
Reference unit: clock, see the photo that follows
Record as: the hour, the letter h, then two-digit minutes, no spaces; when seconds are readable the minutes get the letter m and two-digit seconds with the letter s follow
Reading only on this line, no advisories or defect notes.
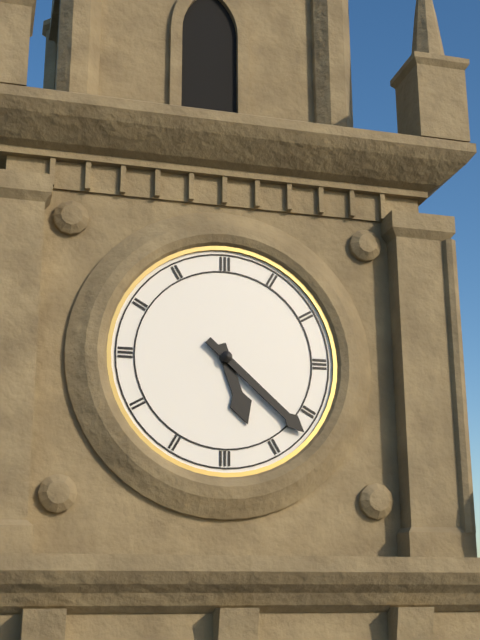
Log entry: 5h22
